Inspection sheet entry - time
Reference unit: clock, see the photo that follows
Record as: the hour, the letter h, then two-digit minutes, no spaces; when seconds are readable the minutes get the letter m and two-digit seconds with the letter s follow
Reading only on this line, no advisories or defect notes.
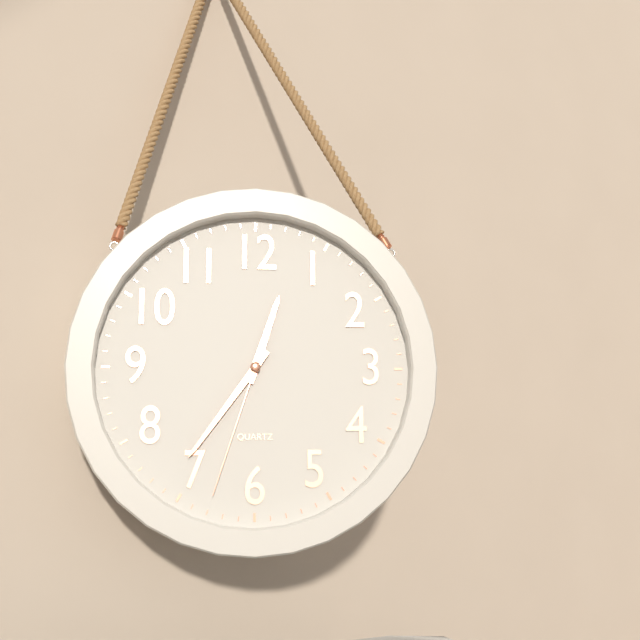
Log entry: 12h36m33s
